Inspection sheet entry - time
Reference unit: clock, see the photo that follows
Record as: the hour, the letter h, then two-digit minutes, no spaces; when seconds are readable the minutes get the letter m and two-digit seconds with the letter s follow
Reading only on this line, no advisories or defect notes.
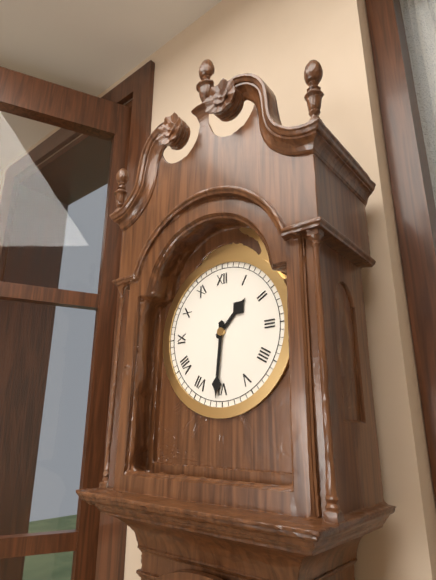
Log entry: 1h31
